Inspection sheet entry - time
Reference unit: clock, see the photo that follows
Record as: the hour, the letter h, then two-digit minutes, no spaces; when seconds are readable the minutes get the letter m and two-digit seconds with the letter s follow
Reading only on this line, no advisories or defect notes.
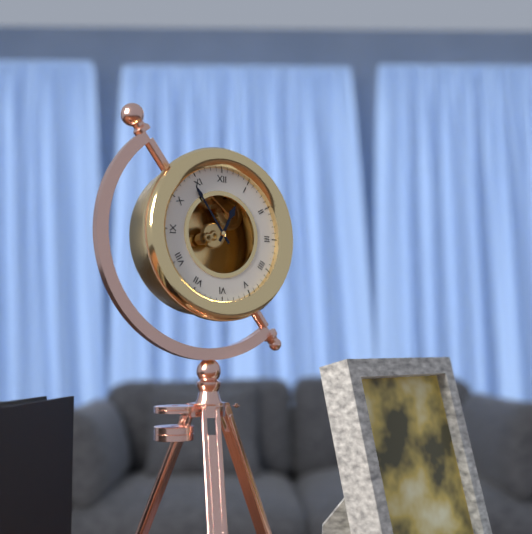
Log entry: 12h54
